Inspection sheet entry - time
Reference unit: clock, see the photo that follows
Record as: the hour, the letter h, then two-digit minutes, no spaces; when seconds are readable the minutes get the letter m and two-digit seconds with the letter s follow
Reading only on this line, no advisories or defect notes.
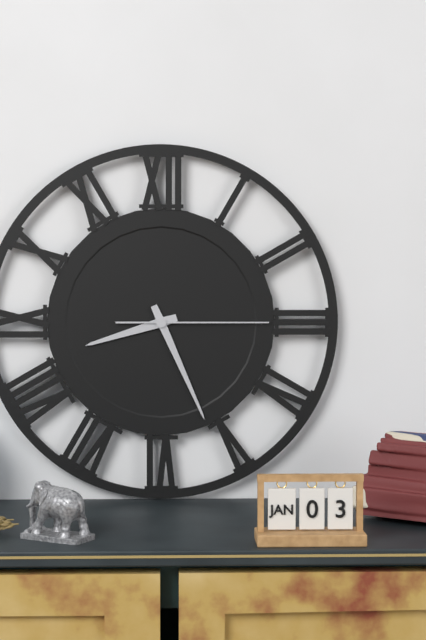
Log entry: 8h26m15s
